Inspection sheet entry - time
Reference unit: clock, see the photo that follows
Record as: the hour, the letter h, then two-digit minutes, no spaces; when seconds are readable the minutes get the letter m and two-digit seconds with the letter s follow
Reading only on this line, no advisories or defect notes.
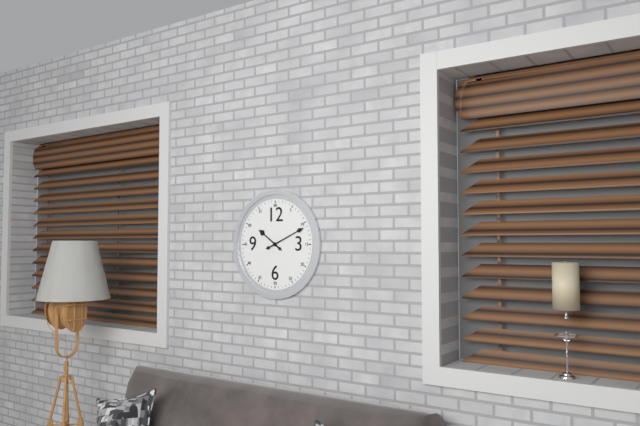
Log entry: 10h11
